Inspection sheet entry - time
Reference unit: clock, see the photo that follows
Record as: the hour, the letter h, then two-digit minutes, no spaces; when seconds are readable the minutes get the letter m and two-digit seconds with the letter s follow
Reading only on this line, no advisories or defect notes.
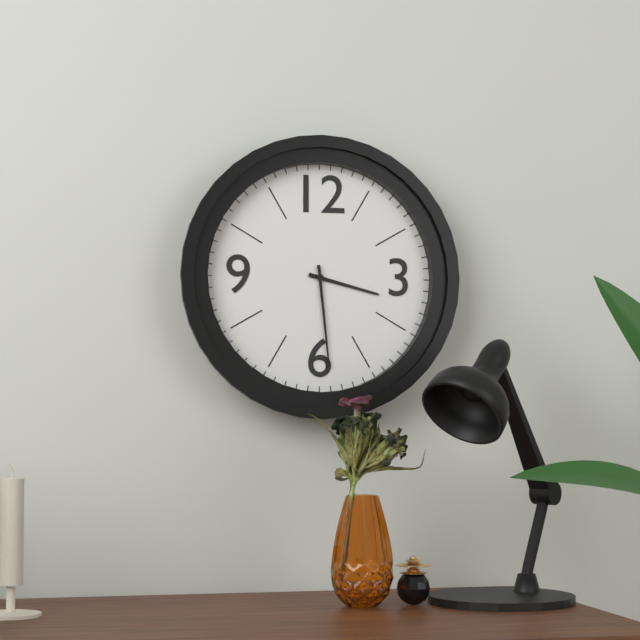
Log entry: 3h29
